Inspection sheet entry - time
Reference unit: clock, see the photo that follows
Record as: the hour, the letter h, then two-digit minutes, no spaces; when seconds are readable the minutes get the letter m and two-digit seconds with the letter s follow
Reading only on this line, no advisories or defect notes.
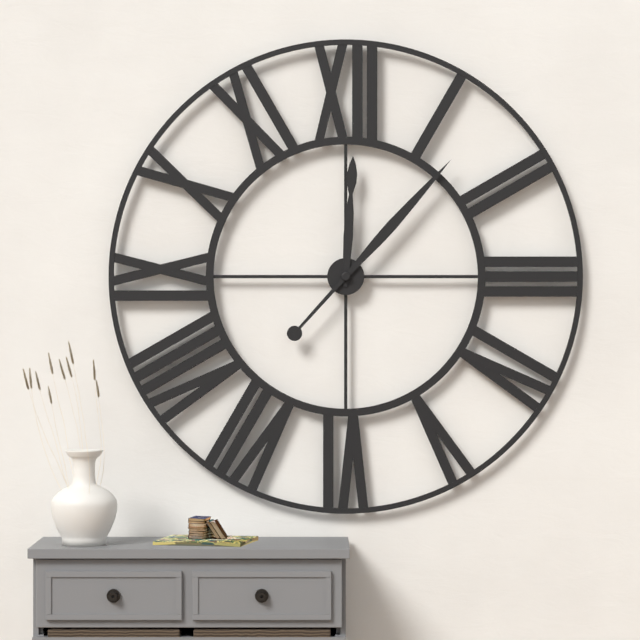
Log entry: 12h07
